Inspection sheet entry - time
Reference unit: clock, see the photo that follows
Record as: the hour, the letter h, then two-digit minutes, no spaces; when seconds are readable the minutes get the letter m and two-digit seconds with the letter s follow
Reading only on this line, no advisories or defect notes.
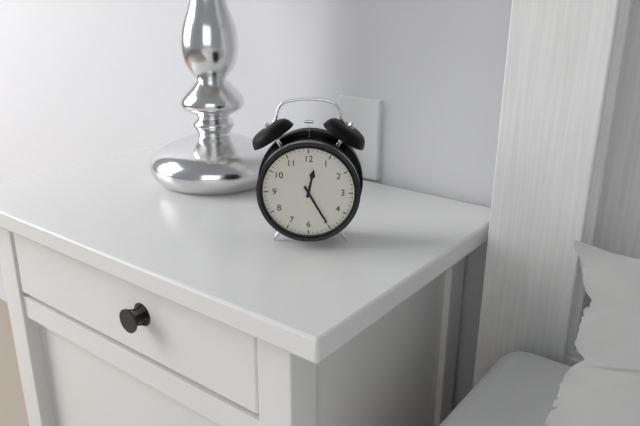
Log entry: 12h25
